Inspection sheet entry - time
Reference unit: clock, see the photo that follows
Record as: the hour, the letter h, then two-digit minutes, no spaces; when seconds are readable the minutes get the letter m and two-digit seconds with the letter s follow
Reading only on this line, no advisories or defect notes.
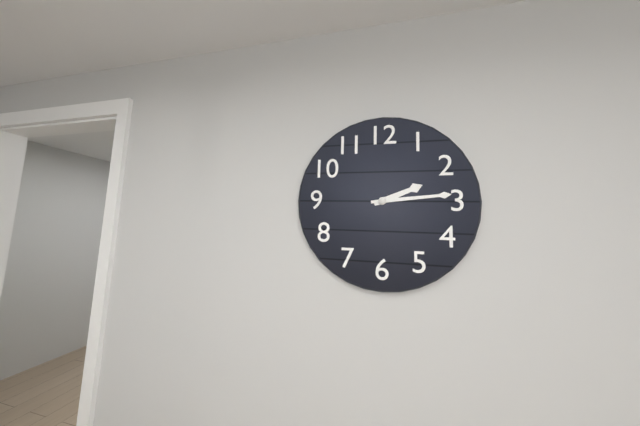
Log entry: 2h14
